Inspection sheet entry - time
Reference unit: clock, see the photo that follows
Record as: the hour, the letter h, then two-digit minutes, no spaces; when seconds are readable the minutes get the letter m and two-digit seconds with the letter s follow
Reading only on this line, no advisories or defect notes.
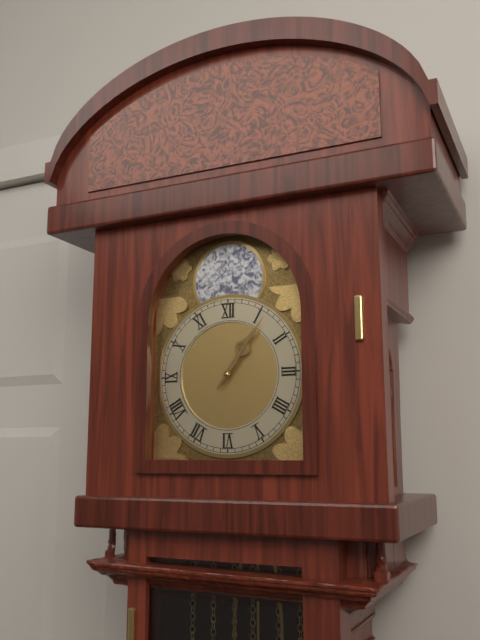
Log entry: 1h06
